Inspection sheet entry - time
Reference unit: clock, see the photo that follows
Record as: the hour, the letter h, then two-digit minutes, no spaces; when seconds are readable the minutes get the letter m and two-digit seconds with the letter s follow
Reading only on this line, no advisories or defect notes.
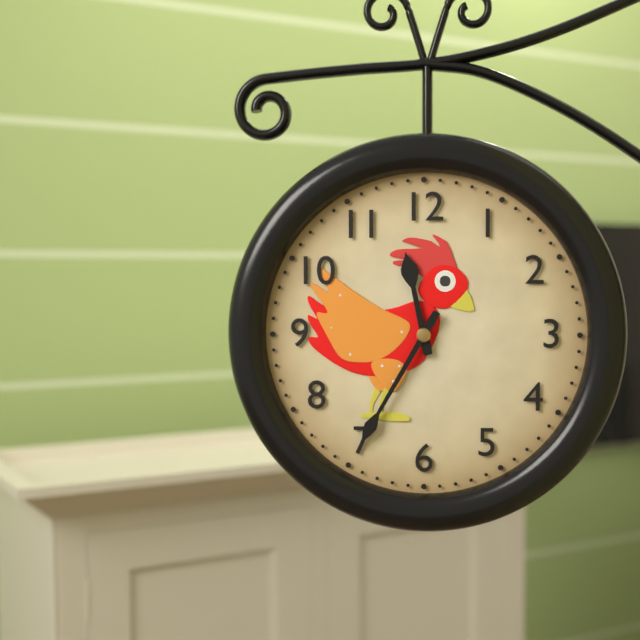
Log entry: 11h35
